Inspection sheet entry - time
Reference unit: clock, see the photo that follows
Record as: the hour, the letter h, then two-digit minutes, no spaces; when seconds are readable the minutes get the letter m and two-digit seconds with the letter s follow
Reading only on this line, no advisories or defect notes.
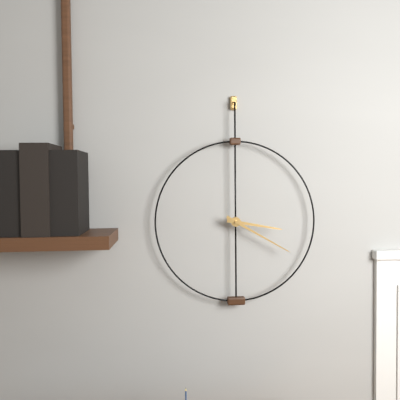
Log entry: 3h20
